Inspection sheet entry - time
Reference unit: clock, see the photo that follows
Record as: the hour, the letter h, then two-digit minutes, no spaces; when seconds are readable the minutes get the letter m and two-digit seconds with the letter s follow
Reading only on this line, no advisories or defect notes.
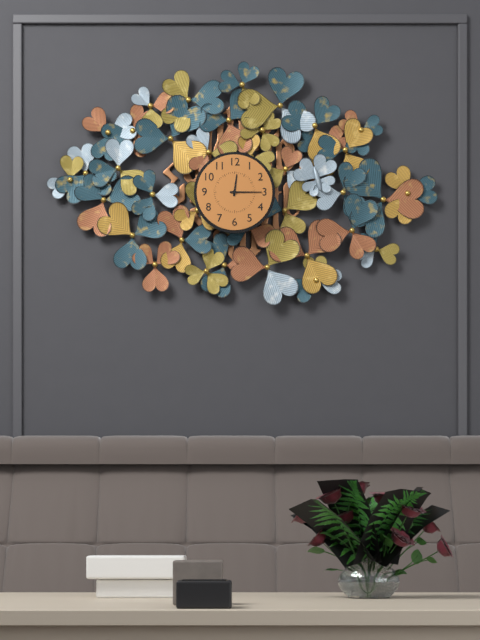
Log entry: 12h15
